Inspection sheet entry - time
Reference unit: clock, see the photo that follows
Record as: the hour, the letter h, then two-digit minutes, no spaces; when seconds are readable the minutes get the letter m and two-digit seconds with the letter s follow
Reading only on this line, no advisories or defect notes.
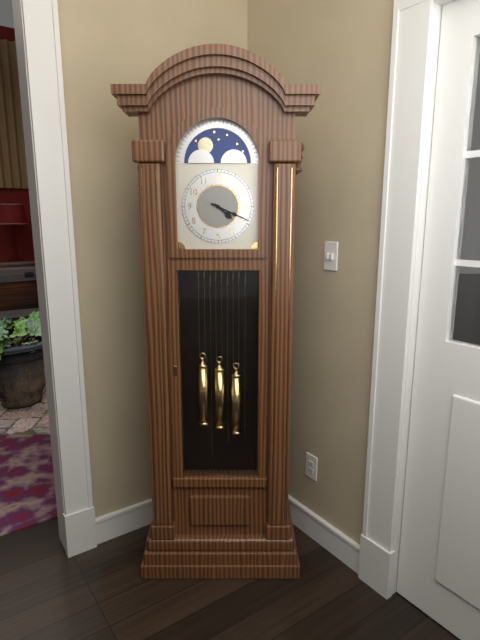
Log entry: 4h19
